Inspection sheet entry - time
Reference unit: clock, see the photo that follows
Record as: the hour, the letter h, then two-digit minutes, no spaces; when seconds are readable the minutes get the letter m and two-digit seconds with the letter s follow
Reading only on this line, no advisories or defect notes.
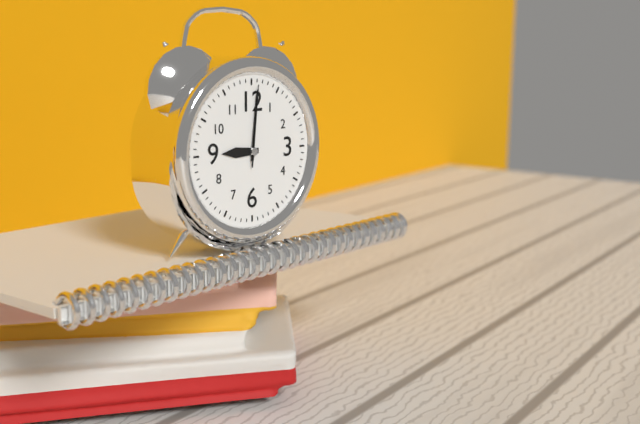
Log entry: 9h01m01s
